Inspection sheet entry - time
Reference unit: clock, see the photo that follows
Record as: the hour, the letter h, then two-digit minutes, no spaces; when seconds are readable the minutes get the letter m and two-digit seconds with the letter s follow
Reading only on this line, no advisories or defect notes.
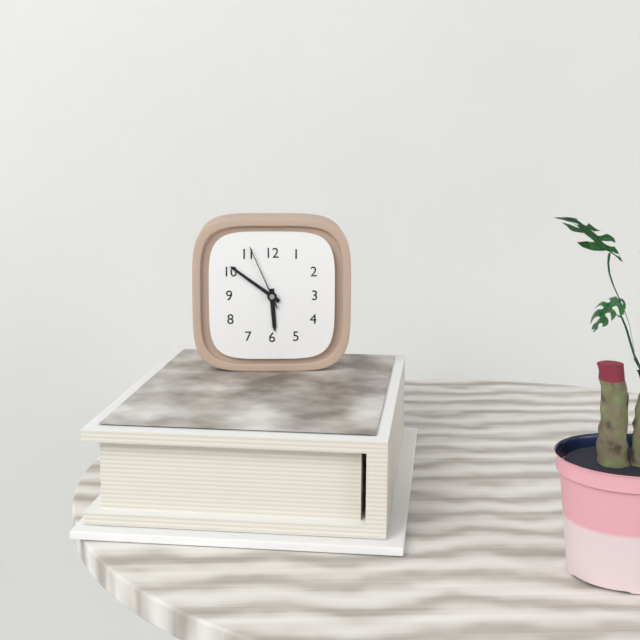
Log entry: 5h51m56s
